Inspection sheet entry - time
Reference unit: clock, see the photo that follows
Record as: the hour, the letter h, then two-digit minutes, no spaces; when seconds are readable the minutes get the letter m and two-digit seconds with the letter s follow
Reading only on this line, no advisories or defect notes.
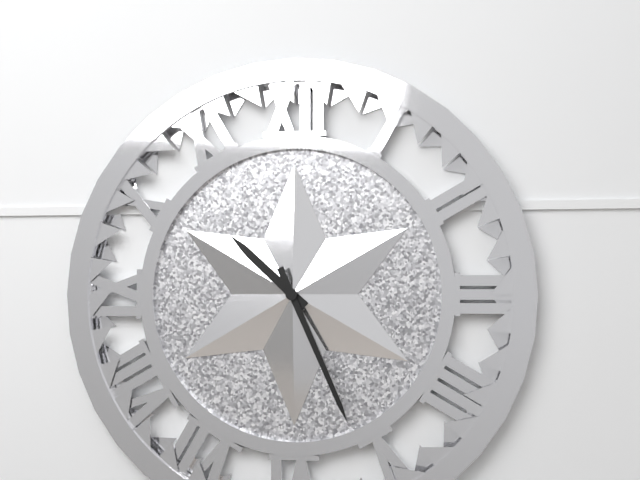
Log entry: 10h26
